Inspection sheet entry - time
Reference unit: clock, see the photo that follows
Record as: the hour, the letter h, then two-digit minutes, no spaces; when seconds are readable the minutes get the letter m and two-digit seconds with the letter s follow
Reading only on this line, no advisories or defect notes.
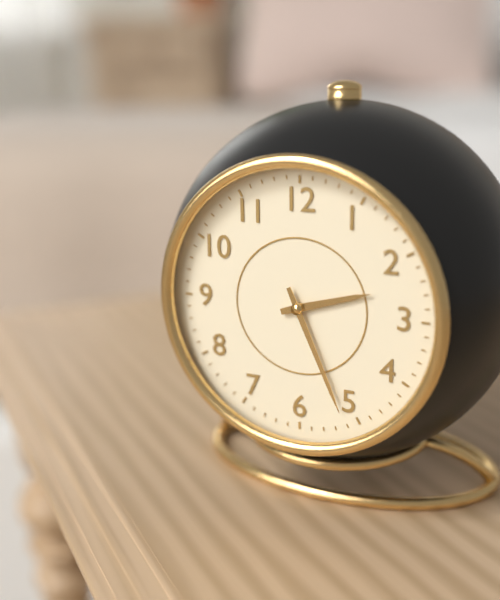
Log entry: 2h26
